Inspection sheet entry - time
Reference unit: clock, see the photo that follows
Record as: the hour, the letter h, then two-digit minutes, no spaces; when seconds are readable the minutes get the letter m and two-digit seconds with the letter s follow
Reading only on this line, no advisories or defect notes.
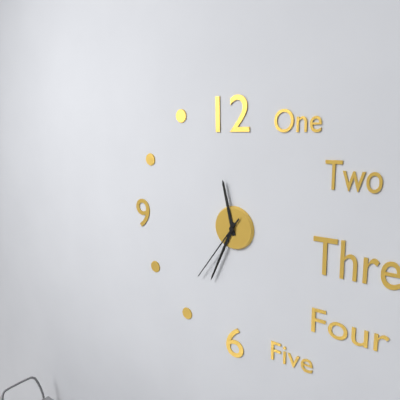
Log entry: 11h34m36s
